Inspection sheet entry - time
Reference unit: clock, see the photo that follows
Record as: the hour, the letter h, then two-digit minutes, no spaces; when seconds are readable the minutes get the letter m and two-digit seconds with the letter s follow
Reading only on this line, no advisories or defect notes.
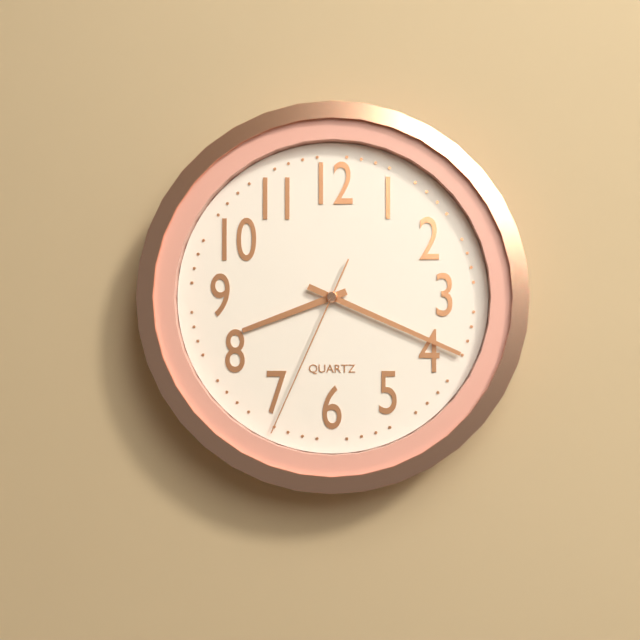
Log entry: 8h19m34s
